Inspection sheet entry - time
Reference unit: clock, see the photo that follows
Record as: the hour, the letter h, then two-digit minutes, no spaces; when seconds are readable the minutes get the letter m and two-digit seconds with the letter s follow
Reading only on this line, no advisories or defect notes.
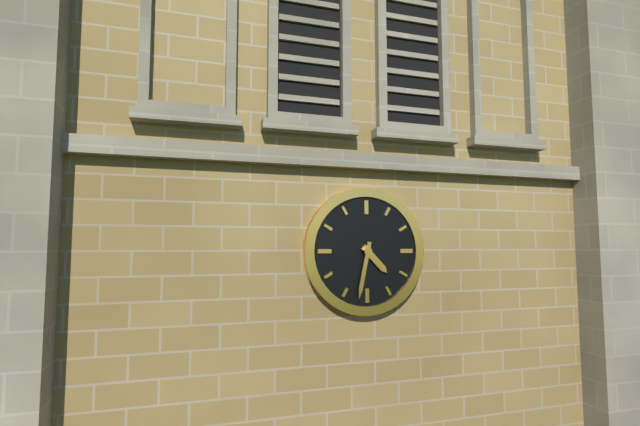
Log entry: 4h32
